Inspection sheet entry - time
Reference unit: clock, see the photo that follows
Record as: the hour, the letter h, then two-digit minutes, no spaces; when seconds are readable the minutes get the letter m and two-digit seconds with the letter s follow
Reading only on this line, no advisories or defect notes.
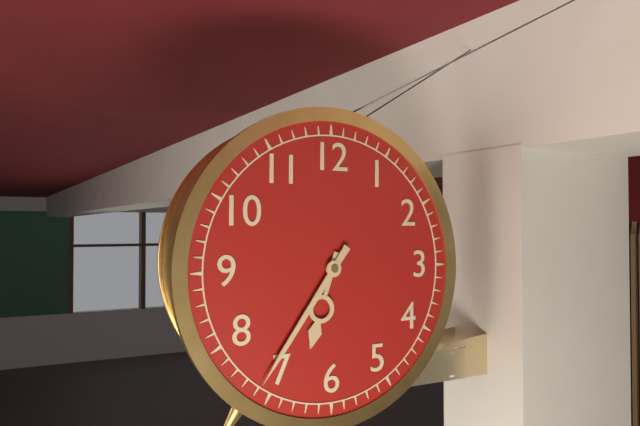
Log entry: 6h36
